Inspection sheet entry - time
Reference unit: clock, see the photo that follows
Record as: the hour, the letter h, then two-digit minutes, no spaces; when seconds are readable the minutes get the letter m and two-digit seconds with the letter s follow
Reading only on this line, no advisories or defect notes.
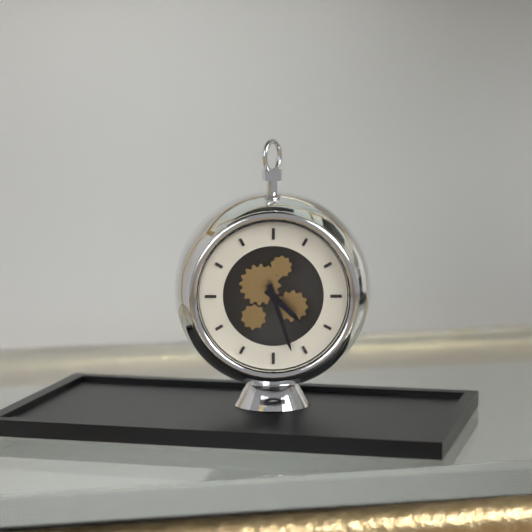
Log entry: 4h27
